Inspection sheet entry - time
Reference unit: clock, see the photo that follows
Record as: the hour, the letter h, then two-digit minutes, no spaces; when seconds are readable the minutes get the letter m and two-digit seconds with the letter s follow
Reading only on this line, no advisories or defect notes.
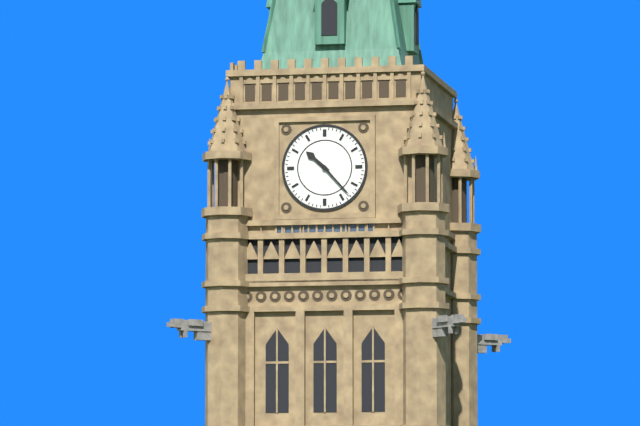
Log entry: 10h23
